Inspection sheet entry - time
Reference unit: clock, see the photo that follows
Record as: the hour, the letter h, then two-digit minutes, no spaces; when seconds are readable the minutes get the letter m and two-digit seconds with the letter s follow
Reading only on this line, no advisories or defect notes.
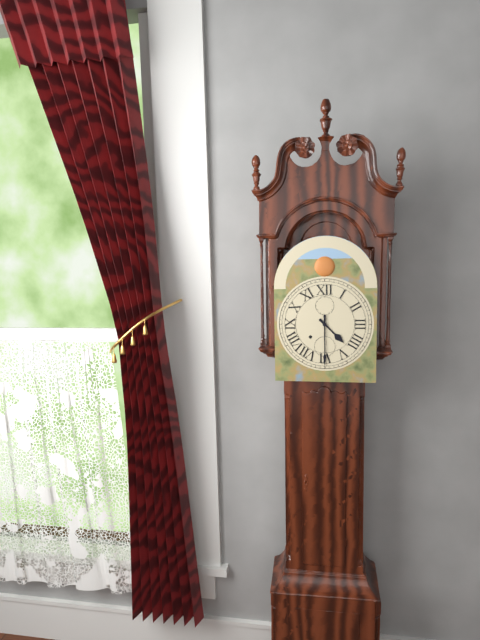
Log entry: 4h30
